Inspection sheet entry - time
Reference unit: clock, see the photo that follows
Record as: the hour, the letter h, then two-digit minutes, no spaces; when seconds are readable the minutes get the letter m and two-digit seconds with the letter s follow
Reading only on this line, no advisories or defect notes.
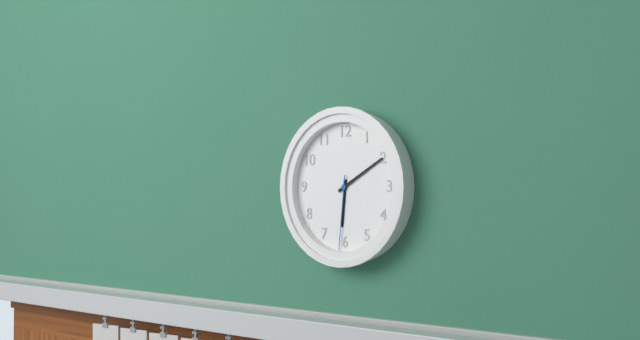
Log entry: 6h10m31s
